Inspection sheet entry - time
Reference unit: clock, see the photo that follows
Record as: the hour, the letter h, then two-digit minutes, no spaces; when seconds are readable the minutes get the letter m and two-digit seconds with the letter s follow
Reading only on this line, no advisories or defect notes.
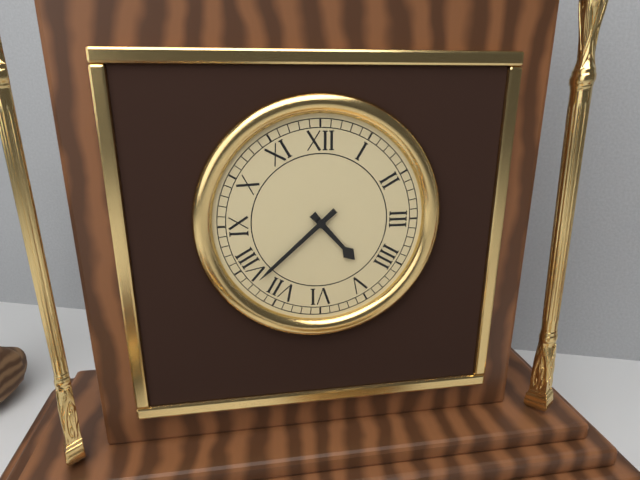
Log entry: 4h38
